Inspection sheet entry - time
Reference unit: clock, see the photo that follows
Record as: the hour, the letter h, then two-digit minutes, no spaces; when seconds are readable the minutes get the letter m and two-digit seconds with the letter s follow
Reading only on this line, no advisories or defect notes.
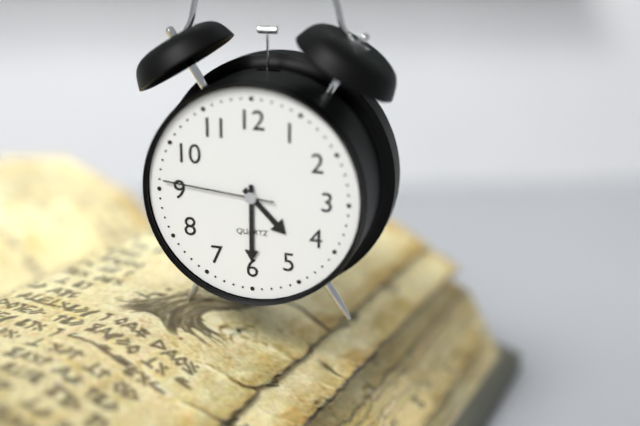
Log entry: 4h30m46s
